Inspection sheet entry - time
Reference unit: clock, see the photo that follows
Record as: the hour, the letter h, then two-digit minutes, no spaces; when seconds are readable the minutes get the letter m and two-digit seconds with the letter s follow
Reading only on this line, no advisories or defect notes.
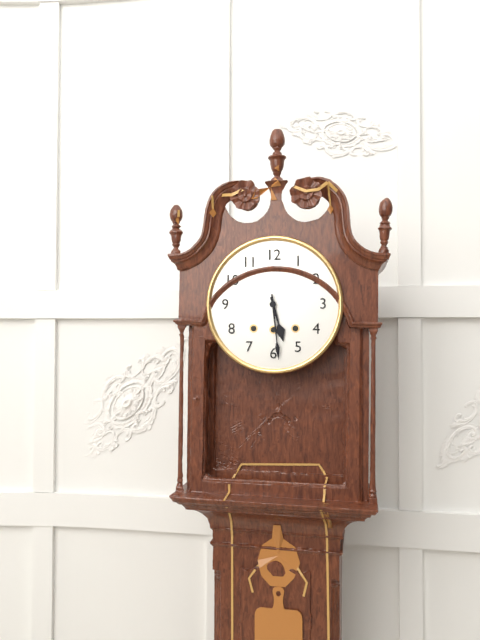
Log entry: 5h29
